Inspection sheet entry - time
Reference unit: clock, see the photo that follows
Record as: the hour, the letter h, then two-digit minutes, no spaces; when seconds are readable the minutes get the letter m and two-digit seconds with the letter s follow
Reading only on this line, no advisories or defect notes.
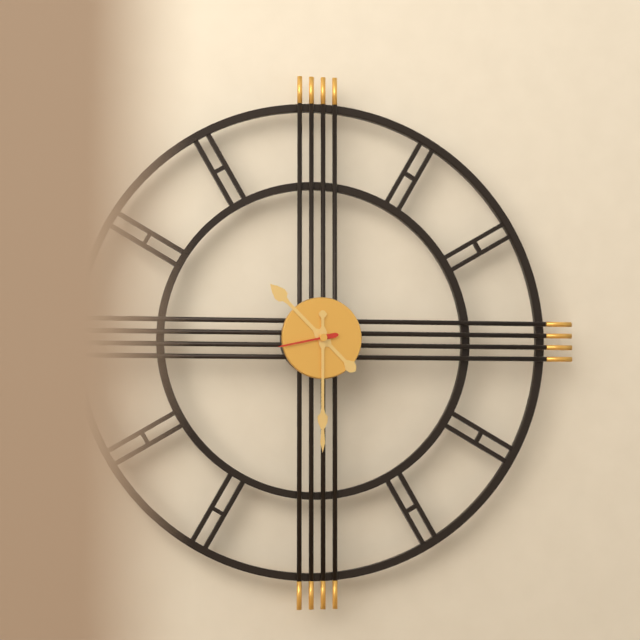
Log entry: 10h30m43s
